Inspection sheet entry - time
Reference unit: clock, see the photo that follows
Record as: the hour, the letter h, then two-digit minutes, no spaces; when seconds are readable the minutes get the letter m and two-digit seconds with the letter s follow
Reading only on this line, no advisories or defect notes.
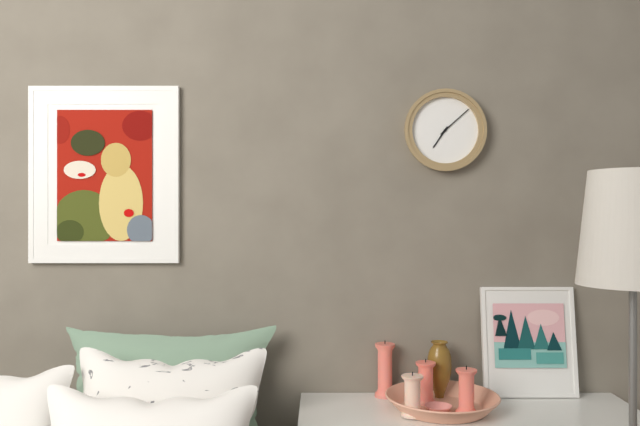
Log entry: 7h08
